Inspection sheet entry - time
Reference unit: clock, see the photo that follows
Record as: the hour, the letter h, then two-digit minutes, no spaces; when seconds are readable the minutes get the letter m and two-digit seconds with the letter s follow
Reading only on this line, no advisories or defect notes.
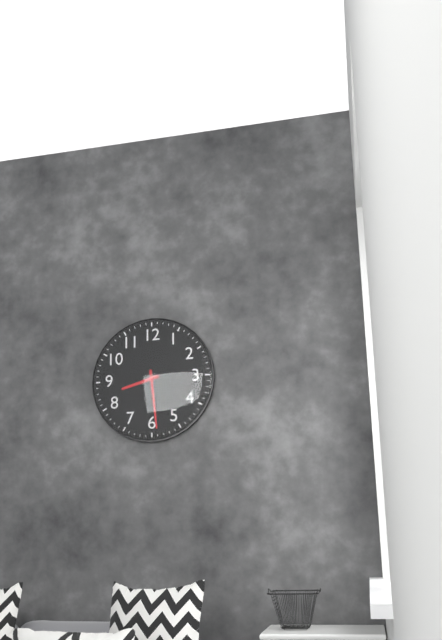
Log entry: 8h29
